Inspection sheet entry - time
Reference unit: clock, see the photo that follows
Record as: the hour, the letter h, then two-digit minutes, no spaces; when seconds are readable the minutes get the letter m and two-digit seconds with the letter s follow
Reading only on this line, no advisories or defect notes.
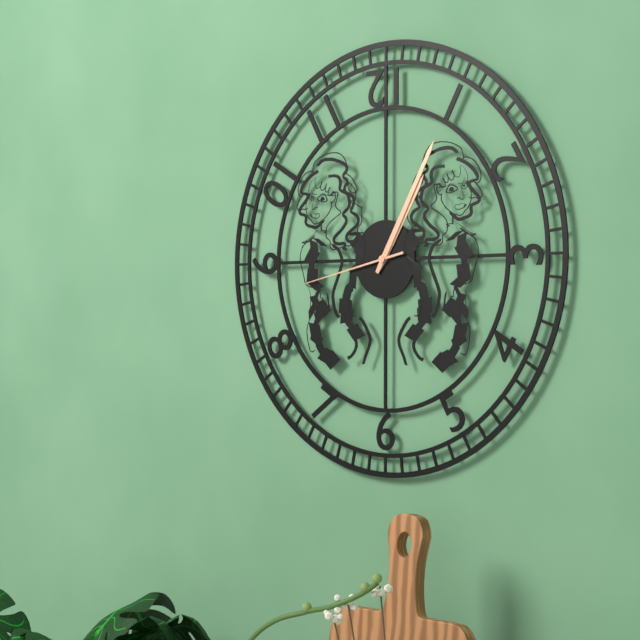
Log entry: 1h05m43s
